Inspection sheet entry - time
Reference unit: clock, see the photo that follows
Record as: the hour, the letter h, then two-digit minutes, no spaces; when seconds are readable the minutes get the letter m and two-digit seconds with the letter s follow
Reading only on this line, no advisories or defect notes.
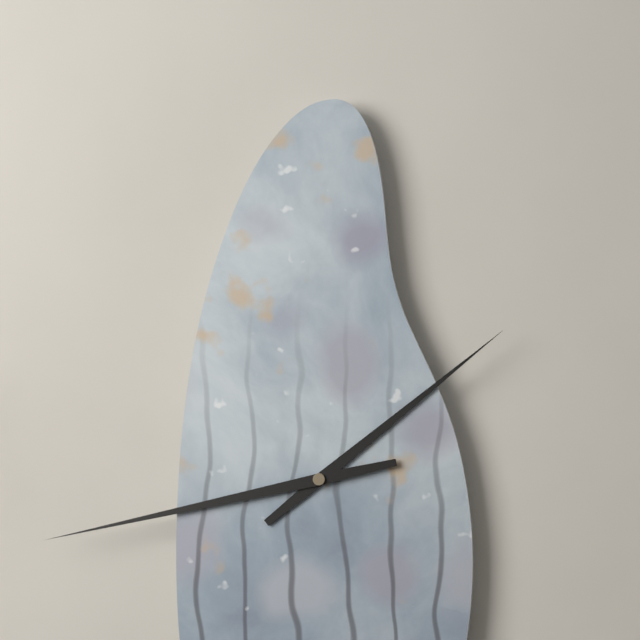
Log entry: 1h43
